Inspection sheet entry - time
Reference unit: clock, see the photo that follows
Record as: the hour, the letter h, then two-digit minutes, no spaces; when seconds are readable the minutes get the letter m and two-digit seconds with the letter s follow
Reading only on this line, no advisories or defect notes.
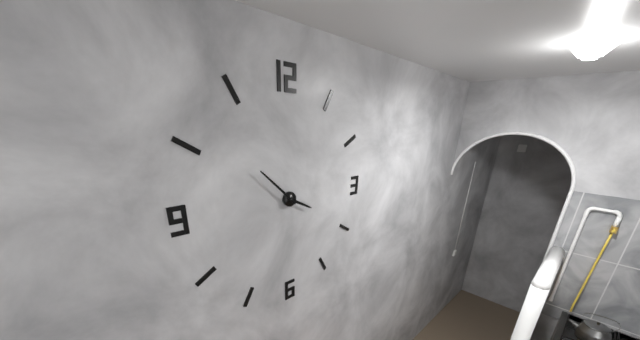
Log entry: 3h52
